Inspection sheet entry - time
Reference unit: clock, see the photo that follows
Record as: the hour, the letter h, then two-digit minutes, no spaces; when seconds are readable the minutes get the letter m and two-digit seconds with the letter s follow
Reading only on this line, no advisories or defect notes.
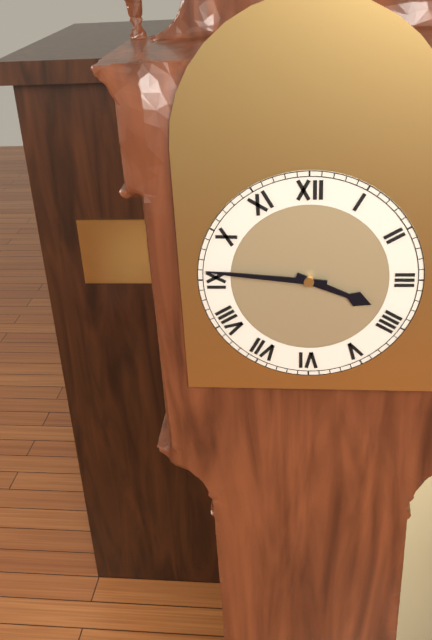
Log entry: 3h46
